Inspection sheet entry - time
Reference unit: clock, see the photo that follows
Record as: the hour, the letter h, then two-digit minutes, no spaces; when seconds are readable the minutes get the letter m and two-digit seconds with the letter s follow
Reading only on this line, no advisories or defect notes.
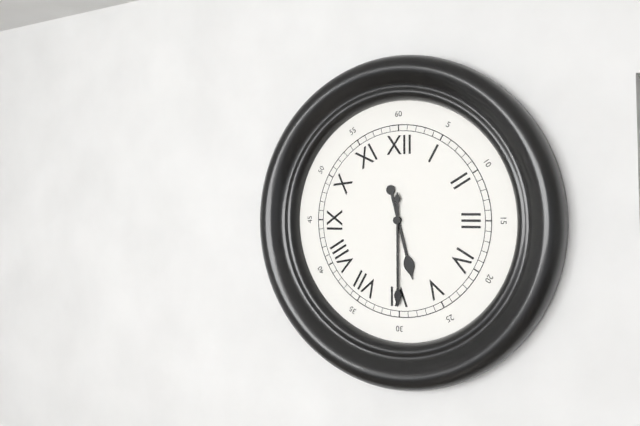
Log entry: 5h30
